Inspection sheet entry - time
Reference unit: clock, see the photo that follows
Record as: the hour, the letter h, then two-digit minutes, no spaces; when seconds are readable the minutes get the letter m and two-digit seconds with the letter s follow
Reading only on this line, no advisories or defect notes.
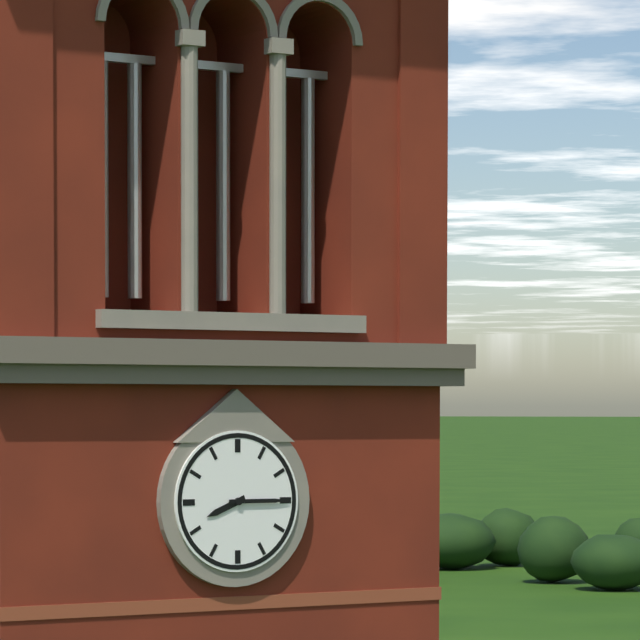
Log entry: 8h15
